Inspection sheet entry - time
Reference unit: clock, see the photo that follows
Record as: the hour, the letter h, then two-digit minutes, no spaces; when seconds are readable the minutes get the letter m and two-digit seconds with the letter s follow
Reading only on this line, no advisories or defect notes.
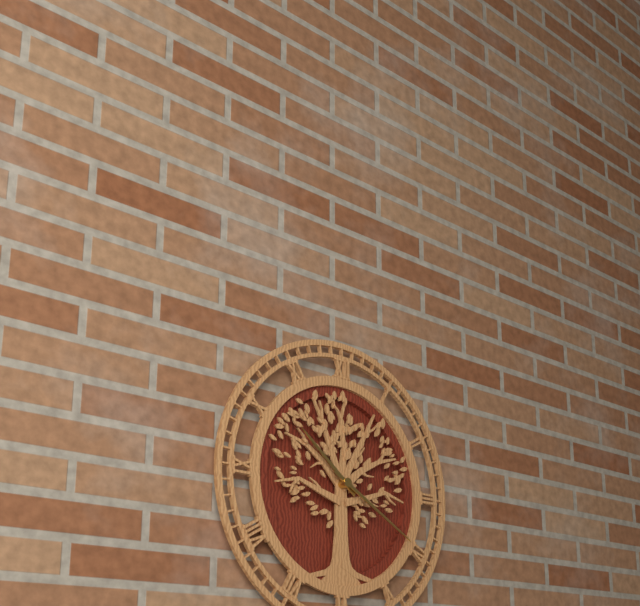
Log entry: 10h20
